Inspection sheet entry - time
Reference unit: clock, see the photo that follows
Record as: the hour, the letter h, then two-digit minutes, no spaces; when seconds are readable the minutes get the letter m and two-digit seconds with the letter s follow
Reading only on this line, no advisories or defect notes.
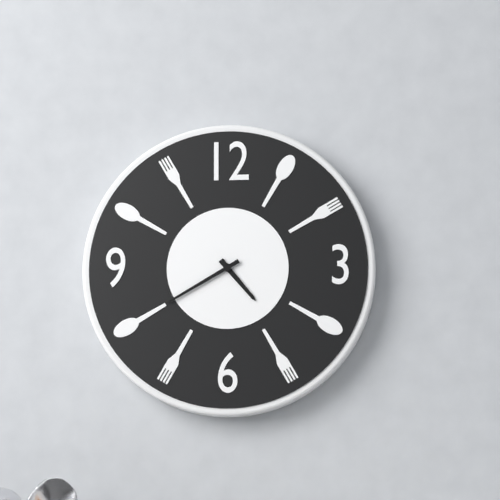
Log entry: 4h40
